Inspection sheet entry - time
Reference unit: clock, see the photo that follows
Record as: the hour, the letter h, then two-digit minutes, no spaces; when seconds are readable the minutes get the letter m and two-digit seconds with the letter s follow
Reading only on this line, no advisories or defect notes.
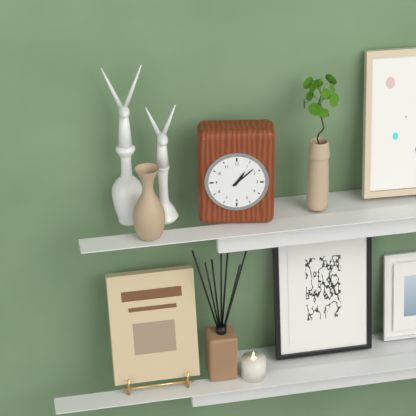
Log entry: 1h08
